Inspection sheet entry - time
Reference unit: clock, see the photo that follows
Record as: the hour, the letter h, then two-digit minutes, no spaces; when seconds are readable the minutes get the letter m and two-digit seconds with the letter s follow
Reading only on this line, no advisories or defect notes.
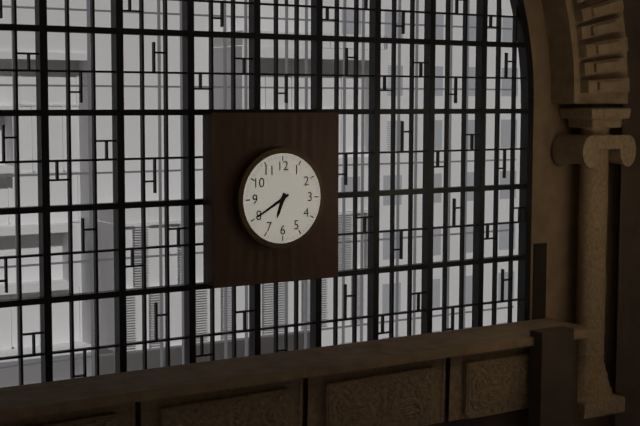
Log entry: 6h40
